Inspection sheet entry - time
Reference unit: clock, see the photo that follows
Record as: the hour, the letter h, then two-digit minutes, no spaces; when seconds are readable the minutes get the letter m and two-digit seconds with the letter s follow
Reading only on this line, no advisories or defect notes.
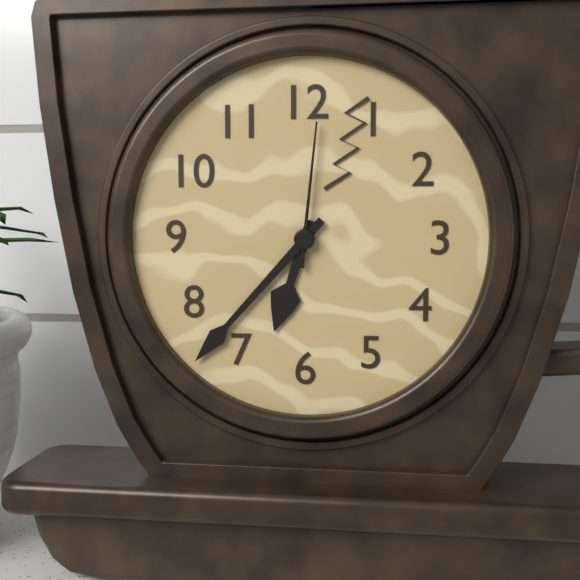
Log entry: 6h37m01s
